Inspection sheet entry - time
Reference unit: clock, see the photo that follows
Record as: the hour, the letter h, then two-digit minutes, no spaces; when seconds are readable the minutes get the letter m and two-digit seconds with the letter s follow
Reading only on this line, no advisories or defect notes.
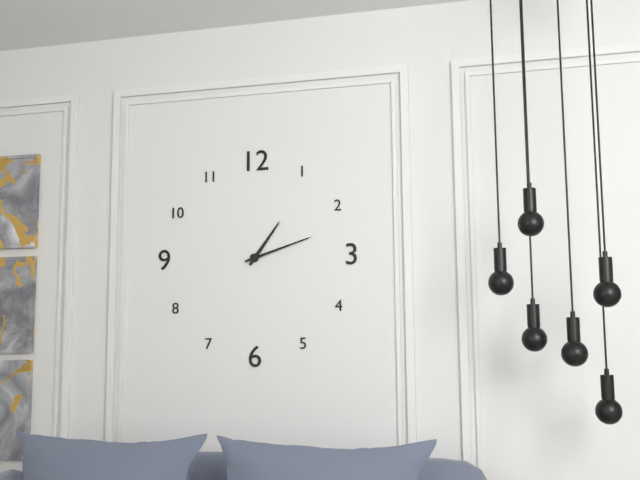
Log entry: 1h12
